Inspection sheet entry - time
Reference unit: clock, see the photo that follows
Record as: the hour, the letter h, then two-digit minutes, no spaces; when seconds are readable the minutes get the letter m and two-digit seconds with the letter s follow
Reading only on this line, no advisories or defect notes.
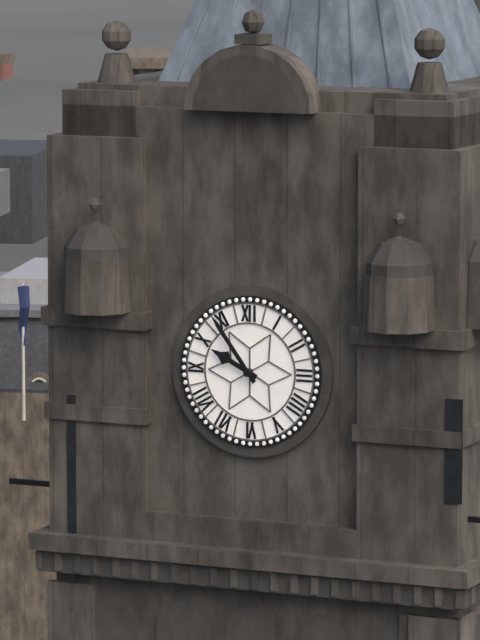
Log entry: 9h54
